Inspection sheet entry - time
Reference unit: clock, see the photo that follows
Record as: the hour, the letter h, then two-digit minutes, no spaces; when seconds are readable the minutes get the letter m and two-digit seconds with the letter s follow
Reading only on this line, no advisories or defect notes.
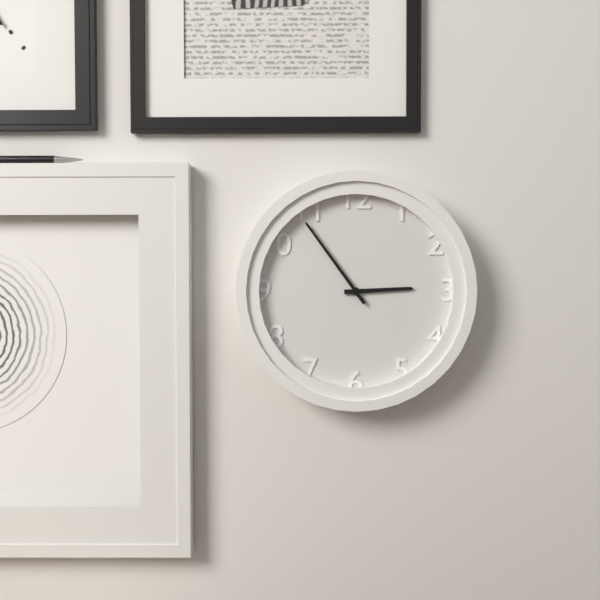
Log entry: 2h54
